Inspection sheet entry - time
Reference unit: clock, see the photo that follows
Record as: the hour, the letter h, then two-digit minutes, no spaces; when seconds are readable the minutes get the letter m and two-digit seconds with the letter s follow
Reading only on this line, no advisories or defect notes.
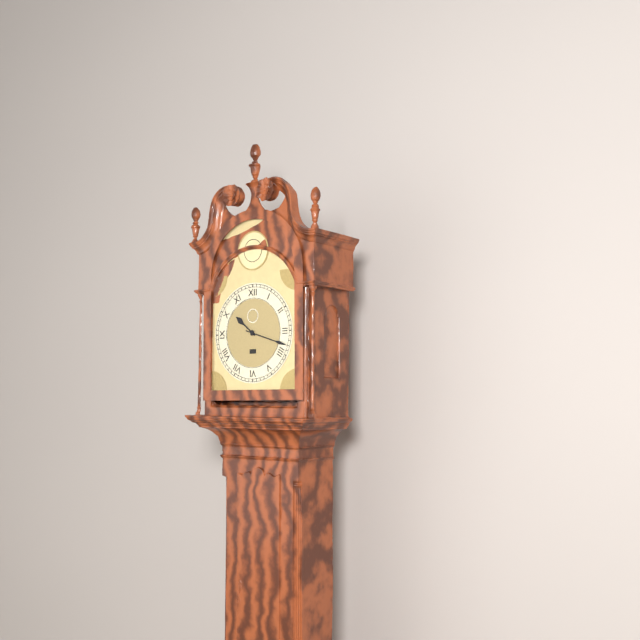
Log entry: 10h18
